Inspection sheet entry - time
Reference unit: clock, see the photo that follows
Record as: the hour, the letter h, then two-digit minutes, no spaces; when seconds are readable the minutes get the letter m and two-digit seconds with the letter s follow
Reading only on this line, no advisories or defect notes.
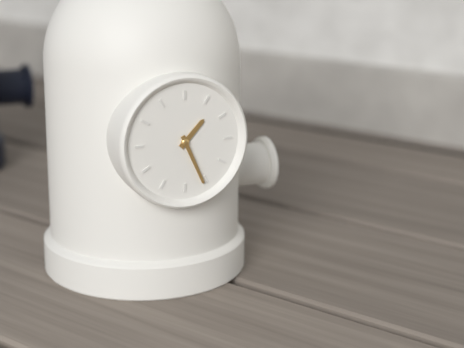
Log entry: 1h26
